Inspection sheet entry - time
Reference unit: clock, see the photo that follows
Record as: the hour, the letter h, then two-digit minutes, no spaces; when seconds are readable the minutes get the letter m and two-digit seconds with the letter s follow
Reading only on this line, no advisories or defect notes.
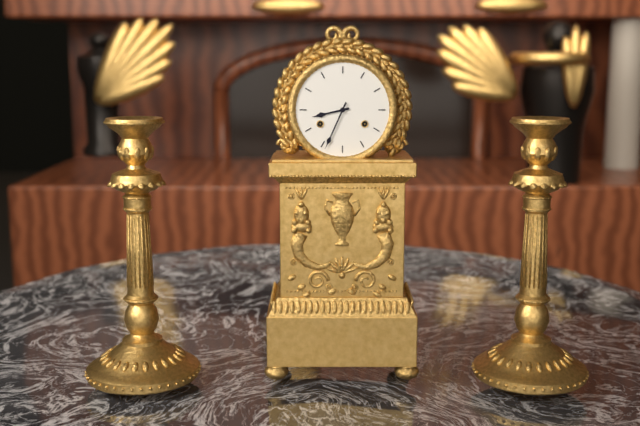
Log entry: 8h34
